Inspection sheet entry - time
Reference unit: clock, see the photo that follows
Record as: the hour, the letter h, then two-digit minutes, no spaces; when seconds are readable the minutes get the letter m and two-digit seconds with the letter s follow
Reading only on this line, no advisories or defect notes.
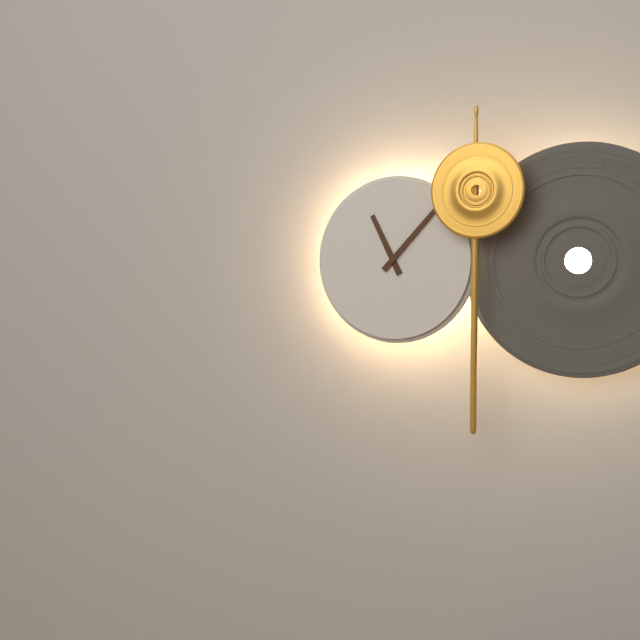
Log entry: 11h07
